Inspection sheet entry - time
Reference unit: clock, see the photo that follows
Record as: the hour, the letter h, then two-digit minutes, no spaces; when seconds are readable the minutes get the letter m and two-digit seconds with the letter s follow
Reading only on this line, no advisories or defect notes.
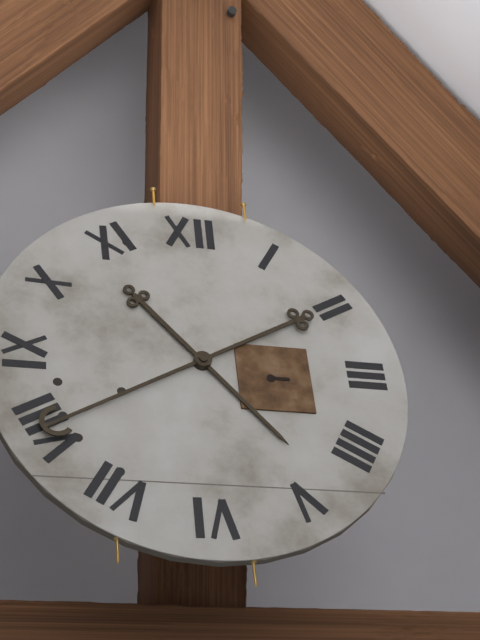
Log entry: 4h40
